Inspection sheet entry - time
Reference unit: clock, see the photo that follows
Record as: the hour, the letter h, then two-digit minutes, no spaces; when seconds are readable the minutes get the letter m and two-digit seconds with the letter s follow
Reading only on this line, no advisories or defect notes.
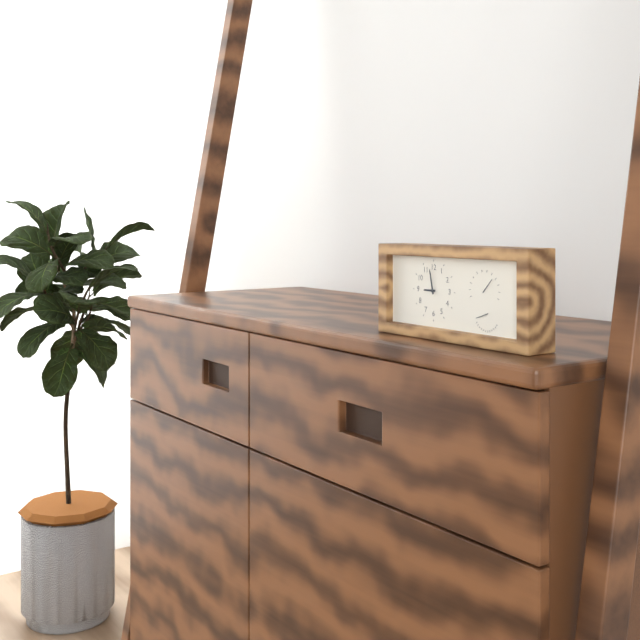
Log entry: 8h58
